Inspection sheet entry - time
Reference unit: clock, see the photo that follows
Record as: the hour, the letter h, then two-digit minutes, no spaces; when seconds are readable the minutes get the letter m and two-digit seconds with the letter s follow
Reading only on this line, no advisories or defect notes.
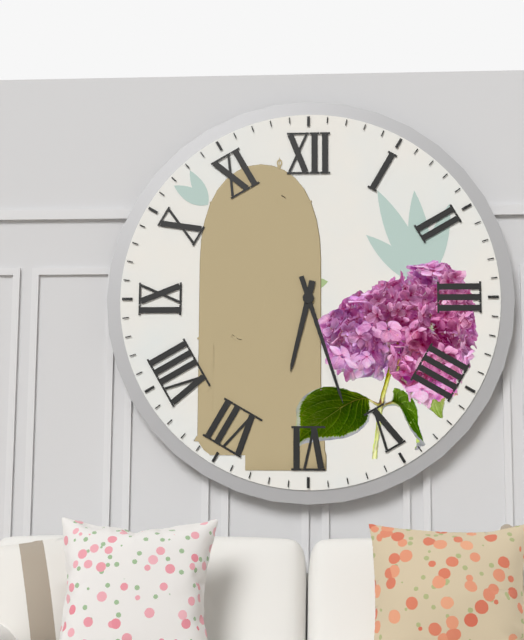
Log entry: 6h27
